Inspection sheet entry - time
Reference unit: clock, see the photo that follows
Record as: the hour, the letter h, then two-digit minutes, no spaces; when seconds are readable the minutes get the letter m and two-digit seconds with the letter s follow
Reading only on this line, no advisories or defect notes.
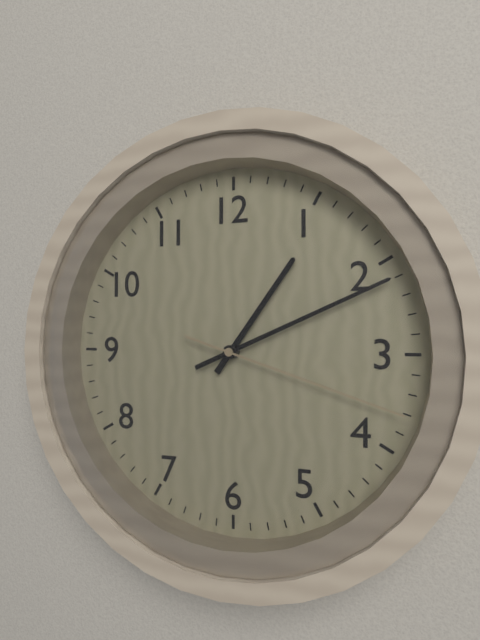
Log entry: 1h11m18s
